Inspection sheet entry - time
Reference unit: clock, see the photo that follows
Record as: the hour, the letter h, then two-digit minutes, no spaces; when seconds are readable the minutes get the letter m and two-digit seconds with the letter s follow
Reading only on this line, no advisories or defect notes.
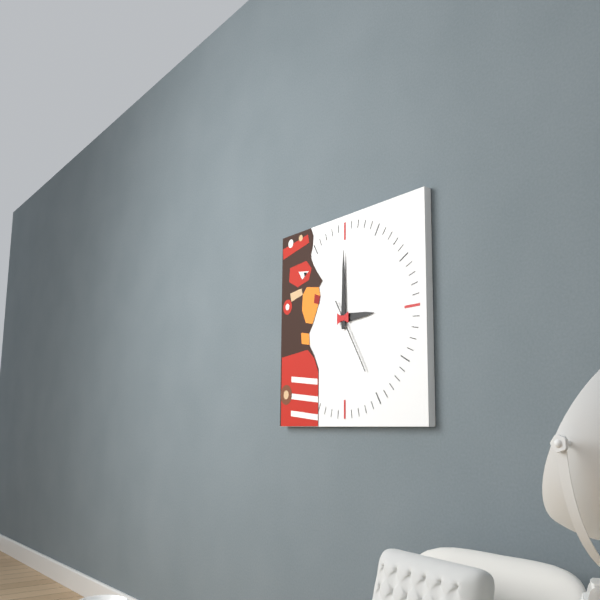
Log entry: 3h00m25s
